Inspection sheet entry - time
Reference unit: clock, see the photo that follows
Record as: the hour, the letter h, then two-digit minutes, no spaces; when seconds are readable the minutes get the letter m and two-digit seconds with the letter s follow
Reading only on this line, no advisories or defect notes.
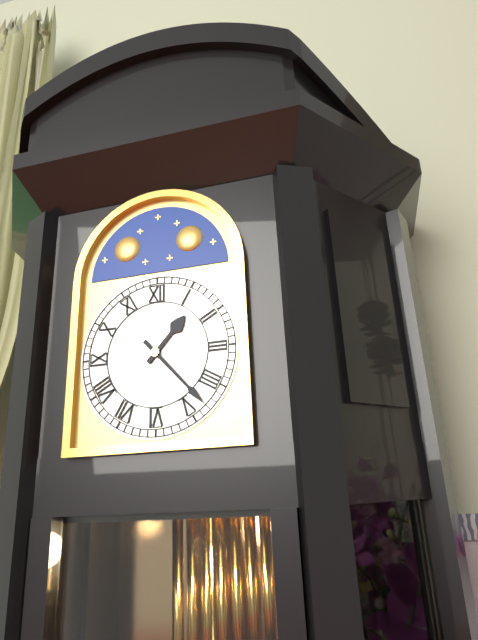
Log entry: 1h23
